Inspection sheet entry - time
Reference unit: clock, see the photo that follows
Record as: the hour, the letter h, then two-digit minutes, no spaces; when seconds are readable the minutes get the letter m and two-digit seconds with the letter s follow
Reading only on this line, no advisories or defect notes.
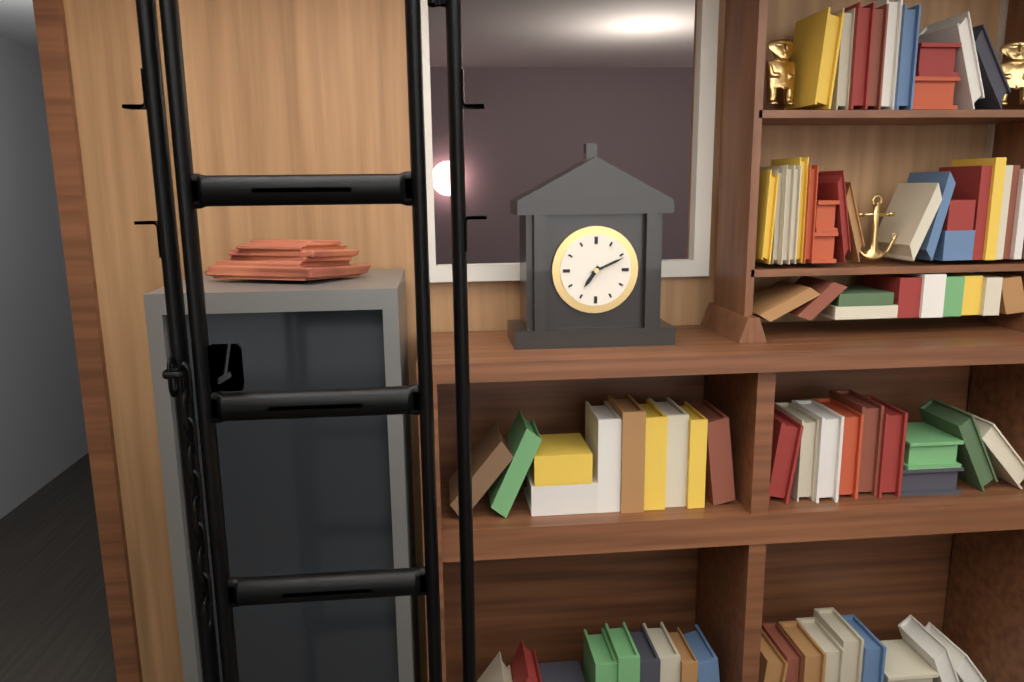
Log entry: 7h11
